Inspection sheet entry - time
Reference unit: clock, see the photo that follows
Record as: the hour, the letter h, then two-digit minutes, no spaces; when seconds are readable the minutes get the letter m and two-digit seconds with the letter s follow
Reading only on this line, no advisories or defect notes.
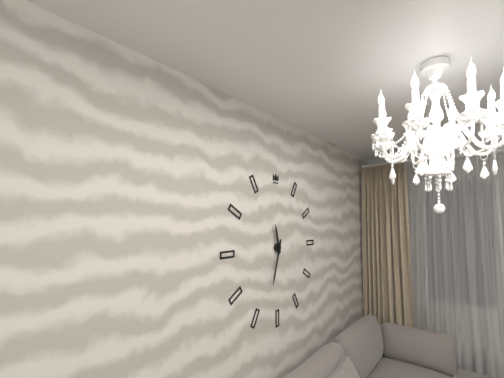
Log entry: 11h33
